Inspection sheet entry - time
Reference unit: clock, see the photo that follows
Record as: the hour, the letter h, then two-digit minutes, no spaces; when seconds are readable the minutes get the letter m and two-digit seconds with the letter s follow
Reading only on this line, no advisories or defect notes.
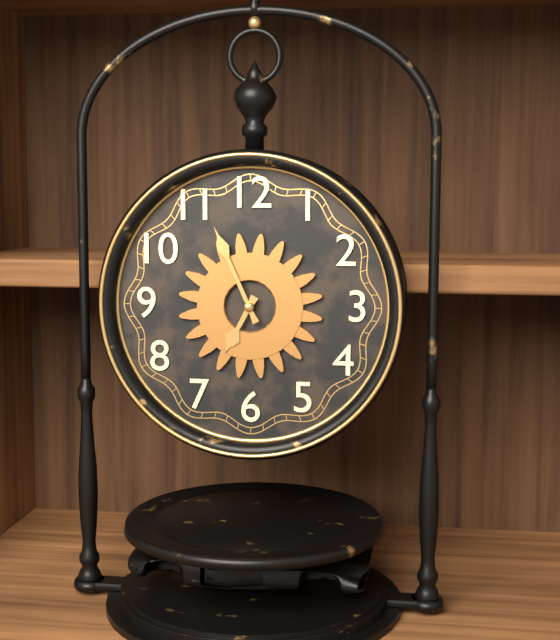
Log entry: 6h56
